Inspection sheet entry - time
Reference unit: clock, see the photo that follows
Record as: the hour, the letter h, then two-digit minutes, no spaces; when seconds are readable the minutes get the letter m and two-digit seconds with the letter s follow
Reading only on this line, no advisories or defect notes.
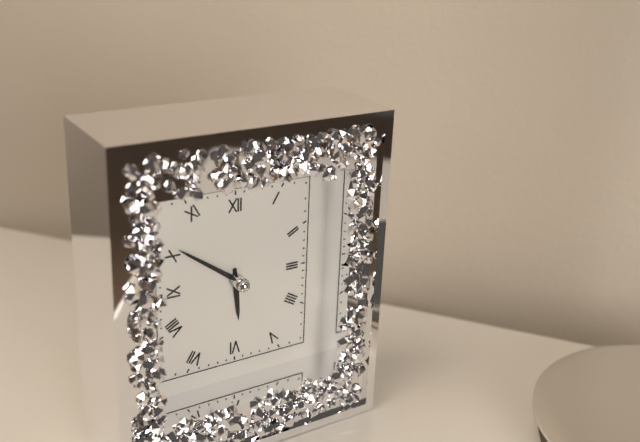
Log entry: 5h51
